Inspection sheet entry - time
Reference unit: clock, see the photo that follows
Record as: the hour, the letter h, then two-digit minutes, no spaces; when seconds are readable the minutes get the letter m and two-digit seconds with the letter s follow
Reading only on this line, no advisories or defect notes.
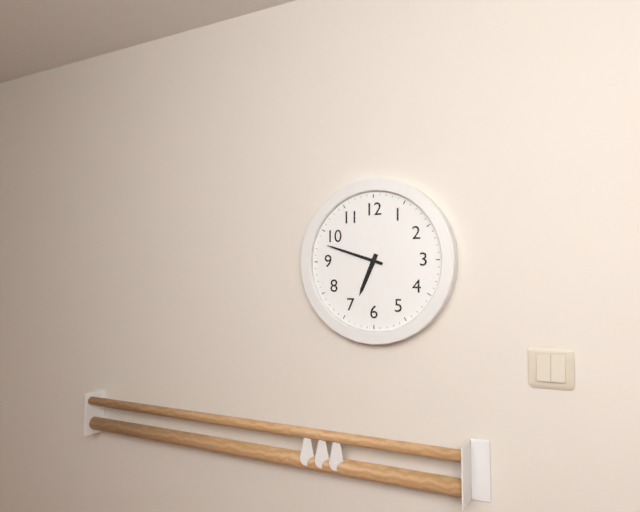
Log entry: 6h48
